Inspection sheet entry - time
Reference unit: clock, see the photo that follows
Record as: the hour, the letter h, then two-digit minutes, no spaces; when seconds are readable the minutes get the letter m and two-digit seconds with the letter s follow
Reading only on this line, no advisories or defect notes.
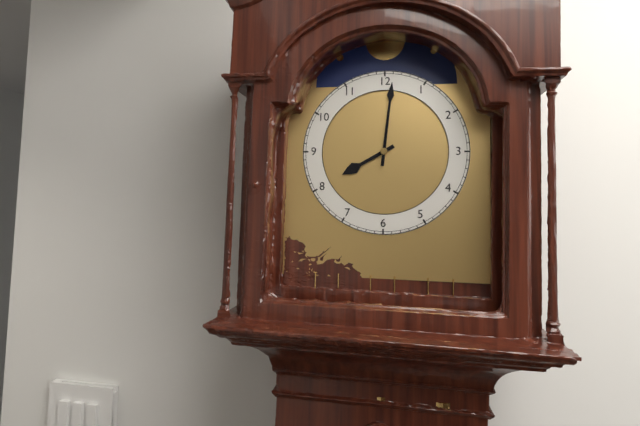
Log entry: 8h01
